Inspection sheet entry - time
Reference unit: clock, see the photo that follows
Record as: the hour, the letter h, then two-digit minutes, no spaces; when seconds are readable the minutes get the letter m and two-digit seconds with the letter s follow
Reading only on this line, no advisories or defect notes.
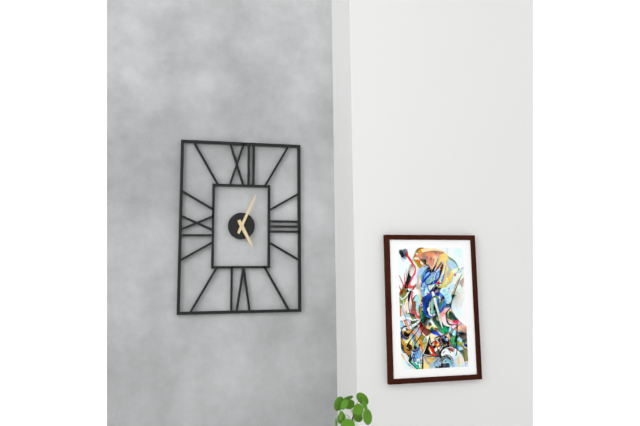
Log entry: 5h04
